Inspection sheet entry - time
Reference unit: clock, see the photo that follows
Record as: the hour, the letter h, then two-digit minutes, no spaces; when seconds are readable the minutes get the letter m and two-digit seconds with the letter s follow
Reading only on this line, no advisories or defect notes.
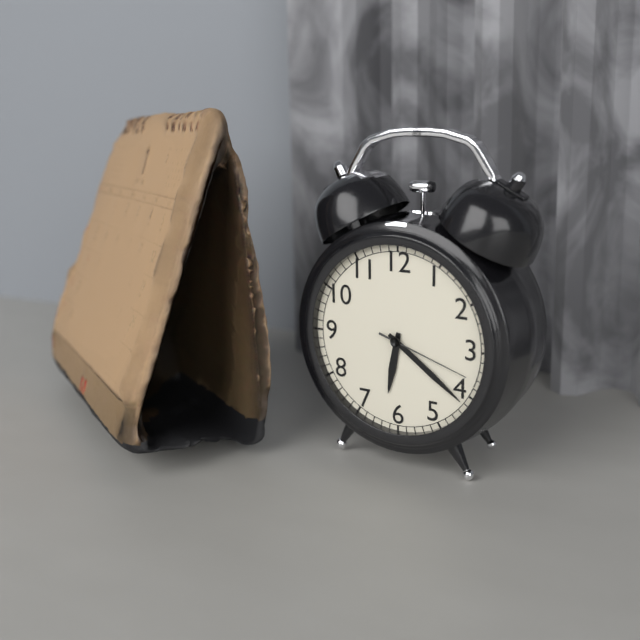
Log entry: 6h21m18s
